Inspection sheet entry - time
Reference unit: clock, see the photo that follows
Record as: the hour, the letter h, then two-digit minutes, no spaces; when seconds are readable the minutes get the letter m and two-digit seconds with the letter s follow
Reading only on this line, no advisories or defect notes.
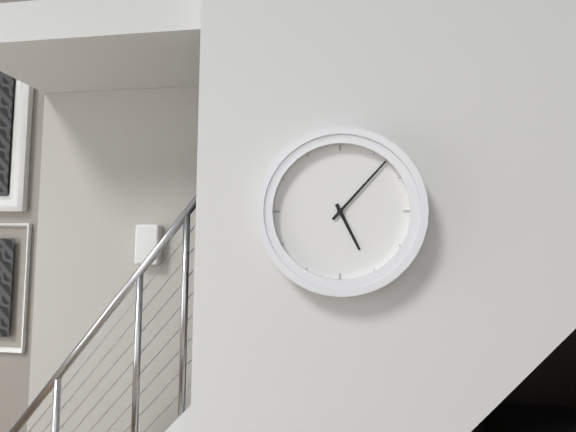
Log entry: 5h07
